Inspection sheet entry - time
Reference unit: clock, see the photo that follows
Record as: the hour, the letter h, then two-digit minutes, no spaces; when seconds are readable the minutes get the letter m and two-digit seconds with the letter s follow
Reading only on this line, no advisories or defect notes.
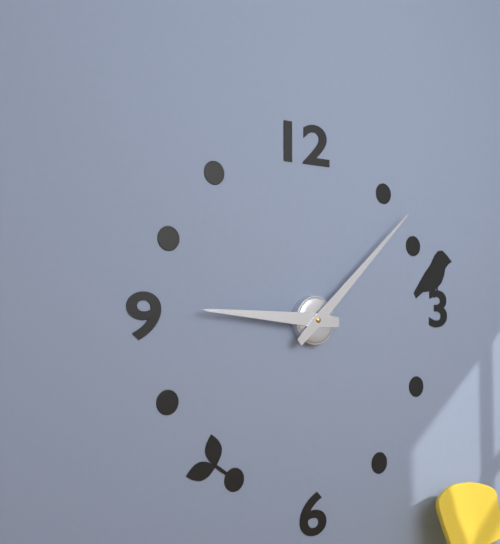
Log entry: 9h08
